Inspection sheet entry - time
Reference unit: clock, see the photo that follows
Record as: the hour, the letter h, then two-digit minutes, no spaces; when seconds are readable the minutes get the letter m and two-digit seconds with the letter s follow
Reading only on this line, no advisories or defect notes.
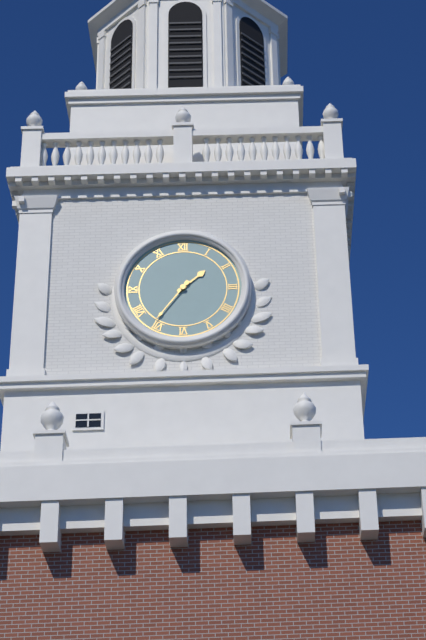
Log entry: 1h36
